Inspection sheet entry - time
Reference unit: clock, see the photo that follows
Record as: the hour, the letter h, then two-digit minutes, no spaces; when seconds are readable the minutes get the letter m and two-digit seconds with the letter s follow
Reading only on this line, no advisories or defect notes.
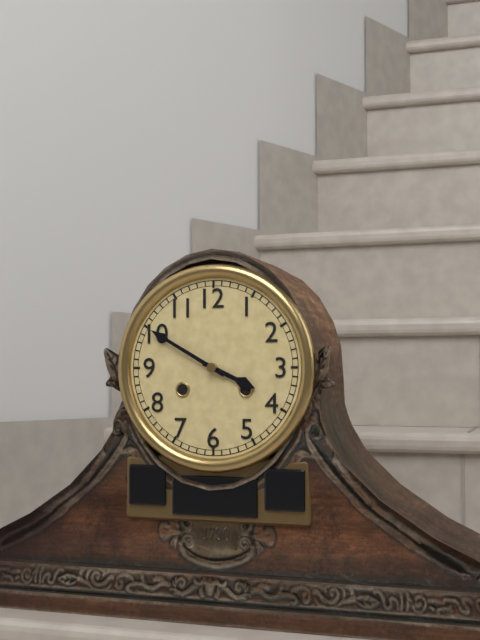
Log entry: 3h50
